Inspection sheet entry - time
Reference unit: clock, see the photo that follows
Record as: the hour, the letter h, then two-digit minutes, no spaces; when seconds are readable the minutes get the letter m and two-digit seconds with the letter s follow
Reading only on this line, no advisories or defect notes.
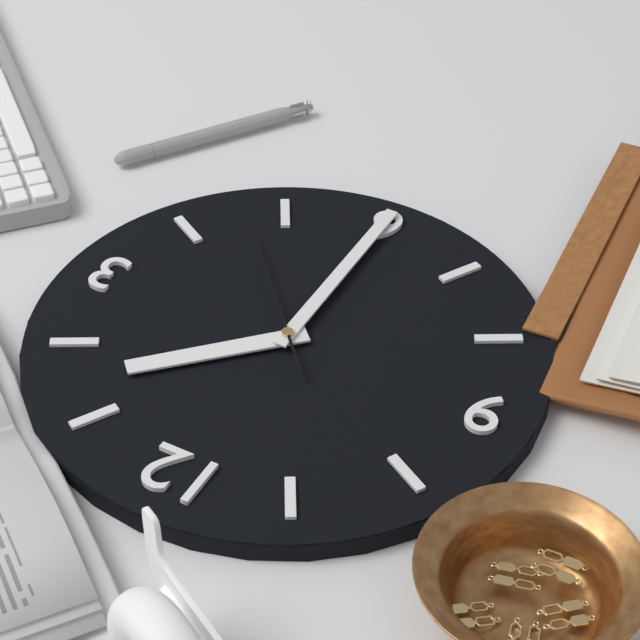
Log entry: 1h30m23s
